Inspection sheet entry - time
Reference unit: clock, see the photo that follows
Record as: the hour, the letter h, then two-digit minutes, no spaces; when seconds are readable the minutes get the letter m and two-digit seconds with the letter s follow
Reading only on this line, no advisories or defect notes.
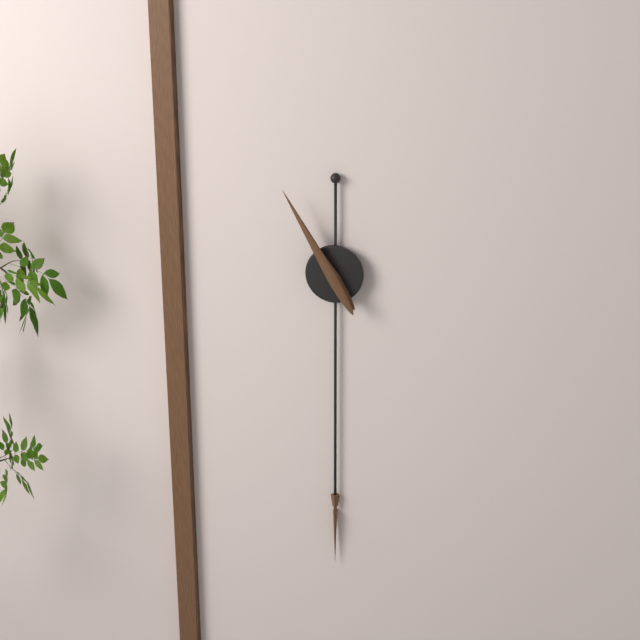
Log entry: 10h55
